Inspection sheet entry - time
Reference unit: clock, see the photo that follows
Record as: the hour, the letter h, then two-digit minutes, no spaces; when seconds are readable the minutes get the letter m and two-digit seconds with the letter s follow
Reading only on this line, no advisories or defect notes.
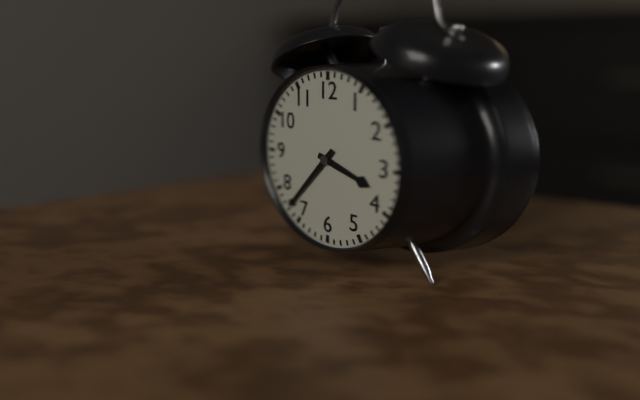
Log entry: 3h37
